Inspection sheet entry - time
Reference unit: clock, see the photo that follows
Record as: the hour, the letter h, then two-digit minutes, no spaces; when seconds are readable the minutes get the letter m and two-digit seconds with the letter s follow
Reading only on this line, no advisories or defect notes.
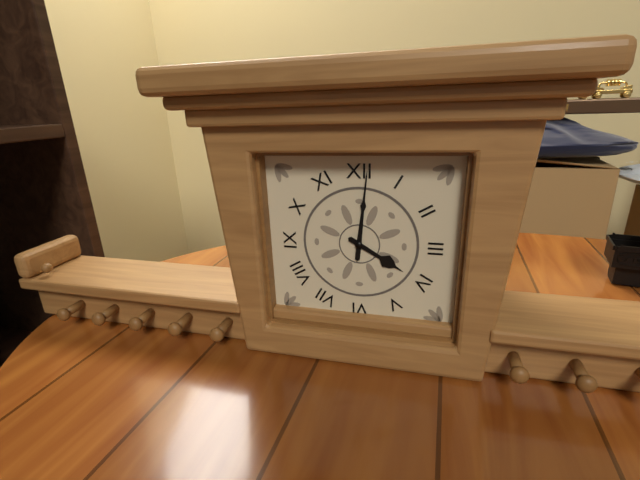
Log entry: 4h01
